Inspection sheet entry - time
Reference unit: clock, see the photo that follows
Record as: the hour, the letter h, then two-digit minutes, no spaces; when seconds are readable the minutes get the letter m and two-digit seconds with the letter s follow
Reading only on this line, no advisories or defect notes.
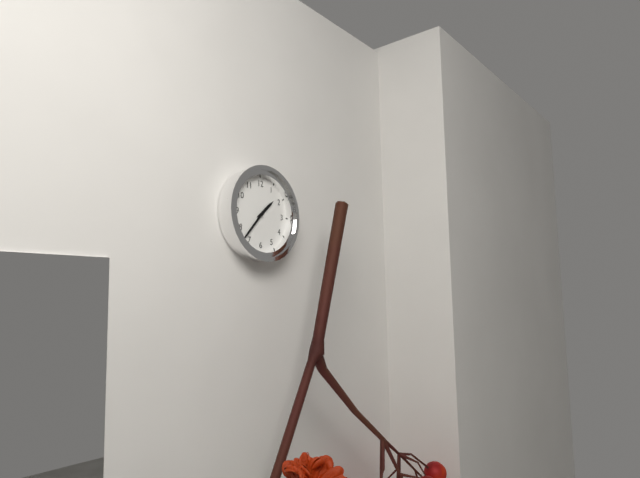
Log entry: 1h37
